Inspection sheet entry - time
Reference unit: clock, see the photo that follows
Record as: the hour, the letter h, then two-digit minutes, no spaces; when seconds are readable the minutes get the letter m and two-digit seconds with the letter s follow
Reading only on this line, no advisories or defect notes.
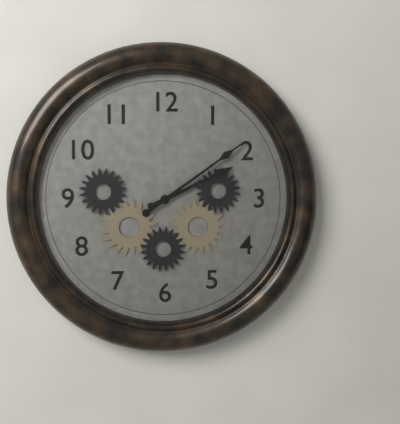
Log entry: 2h09
